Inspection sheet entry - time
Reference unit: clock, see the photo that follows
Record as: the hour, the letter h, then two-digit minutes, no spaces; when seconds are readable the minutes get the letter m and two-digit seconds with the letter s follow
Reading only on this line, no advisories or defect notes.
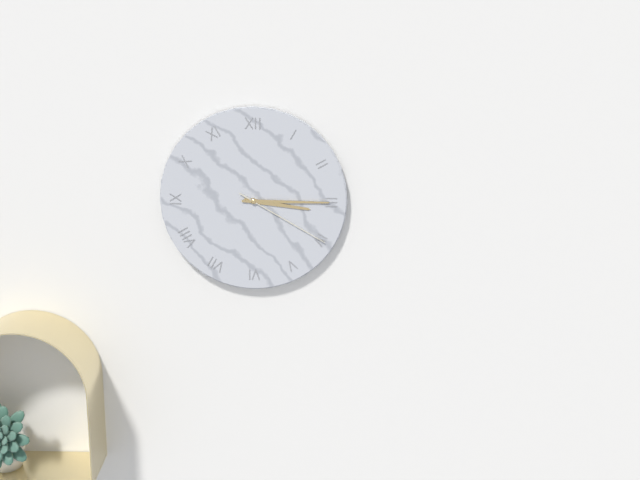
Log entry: 3h15m20s
